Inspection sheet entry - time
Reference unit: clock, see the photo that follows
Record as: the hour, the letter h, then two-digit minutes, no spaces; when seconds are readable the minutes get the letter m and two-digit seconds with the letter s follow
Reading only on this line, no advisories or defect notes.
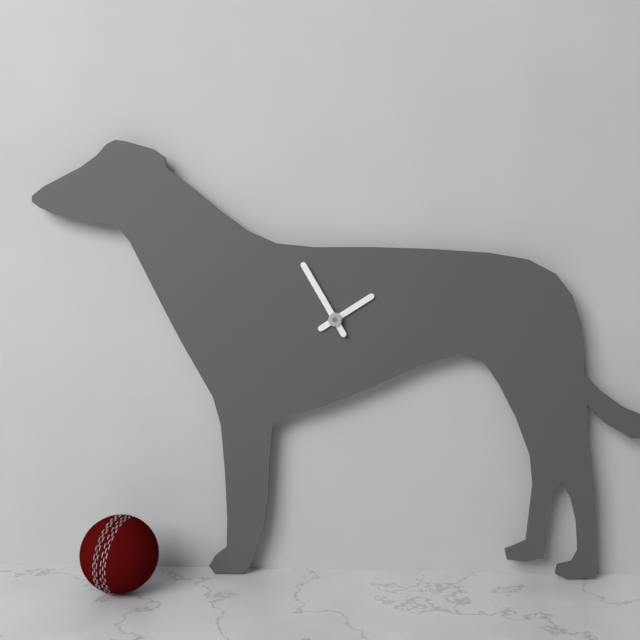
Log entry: 1h55
